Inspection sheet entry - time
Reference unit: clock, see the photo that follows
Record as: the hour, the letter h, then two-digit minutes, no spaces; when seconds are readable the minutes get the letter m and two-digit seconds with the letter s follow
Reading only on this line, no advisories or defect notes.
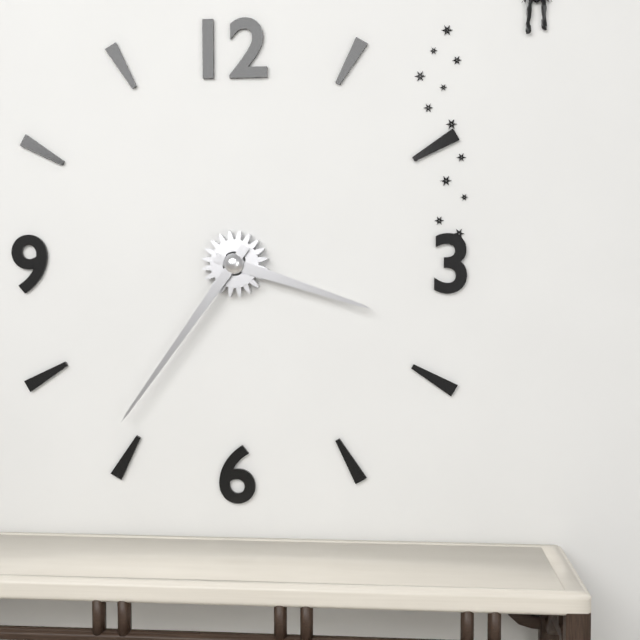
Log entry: 3h36
